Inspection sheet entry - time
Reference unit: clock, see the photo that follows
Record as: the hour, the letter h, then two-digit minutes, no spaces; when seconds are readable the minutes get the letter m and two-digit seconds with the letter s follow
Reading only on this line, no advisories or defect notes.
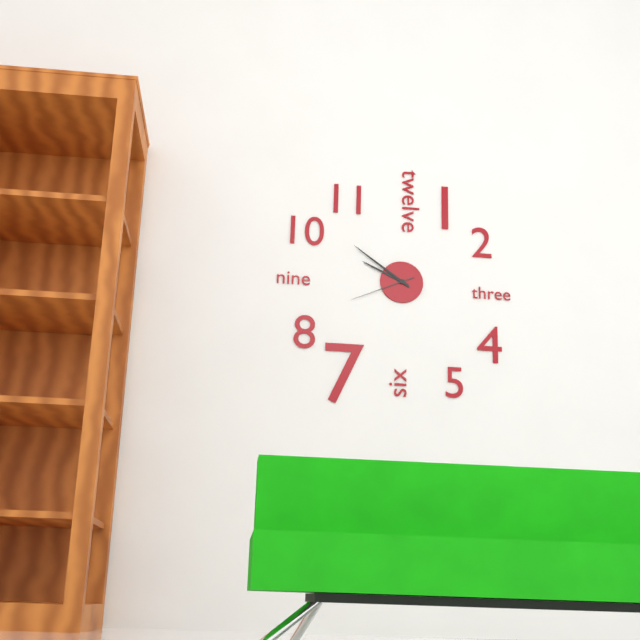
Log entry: 9h51m41s
